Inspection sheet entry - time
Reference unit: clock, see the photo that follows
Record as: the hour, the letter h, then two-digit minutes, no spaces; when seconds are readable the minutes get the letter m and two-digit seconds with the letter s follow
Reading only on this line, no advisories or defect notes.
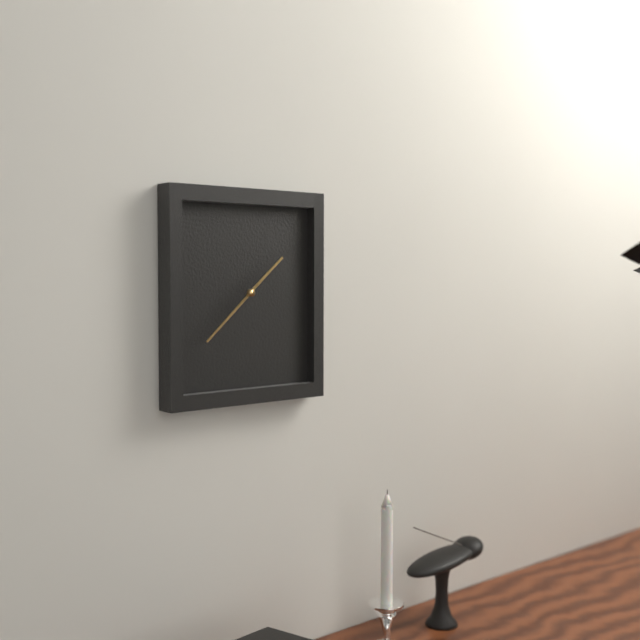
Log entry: 1h38
